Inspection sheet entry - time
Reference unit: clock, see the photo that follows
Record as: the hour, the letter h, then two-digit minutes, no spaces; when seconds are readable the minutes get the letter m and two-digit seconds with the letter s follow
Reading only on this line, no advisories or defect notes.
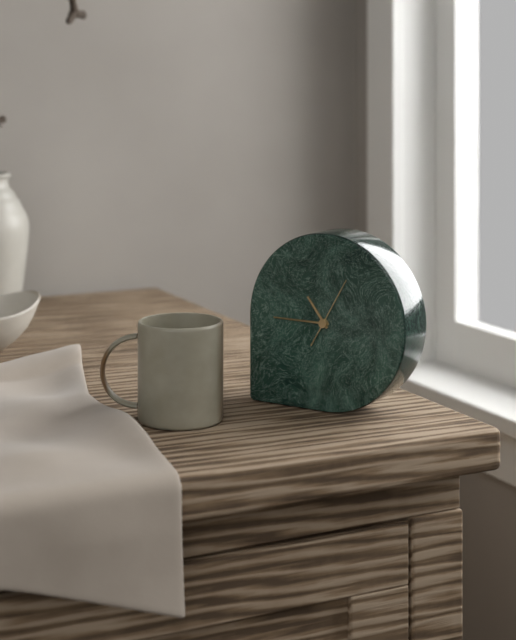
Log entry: 10h45m05s
